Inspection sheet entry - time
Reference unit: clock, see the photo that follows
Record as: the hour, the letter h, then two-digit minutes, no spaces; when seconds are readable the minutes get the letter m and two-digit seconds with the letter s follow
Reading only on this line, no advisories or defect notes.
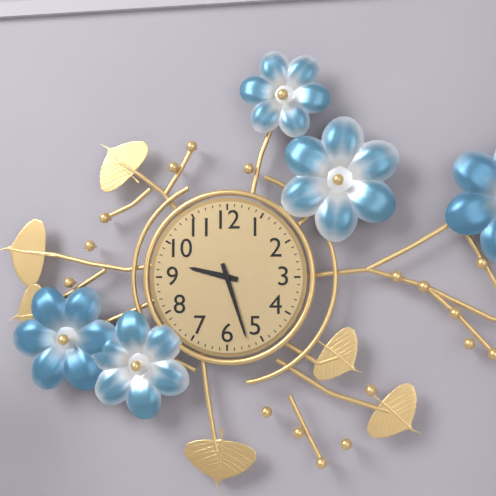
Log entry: 9h27
